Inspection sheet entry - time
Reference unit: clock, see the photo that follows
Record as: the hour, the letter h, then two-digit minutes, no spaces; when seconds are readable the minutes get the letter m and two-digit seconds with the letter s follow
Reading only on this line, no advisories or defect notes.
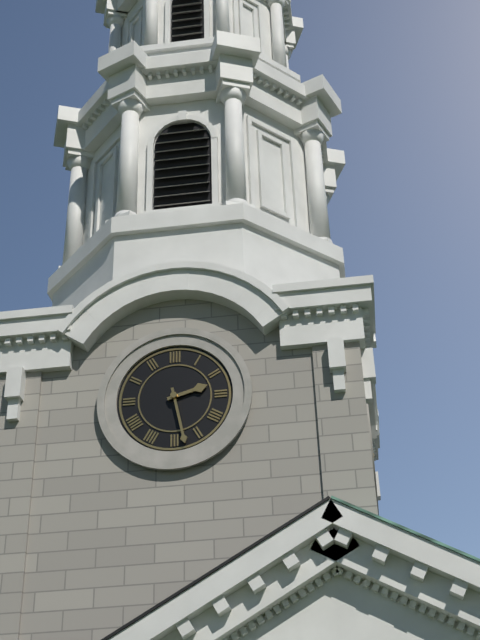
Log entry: 2h28
